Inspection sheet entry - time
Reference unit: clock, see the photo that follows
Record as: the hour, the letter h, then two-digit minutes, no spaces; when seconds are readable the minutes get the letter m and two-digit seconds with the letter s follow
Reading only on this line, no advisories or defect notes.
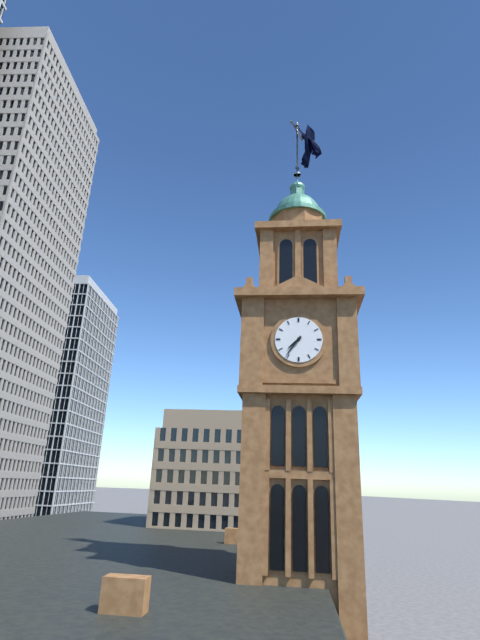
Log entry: 7h36
